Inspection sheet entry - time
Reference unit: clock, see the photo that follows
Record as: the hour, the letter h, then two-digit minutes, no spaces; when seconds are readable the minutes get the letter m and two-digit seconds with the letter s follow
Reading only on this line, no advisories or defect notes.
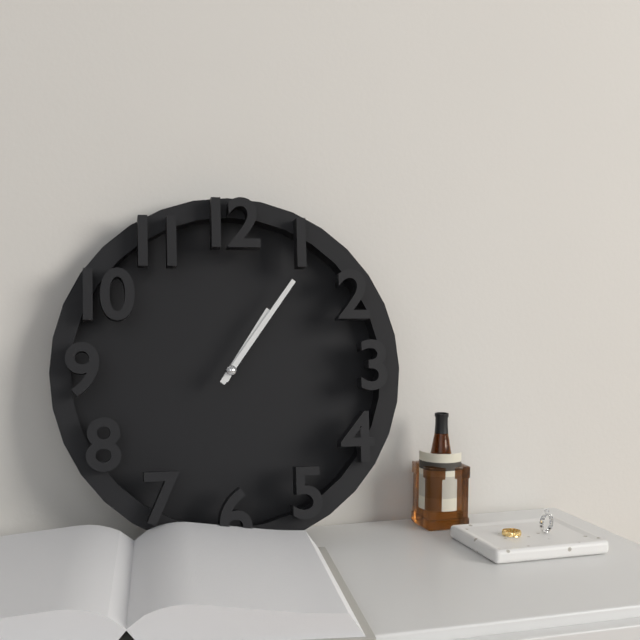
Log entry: 1h06
